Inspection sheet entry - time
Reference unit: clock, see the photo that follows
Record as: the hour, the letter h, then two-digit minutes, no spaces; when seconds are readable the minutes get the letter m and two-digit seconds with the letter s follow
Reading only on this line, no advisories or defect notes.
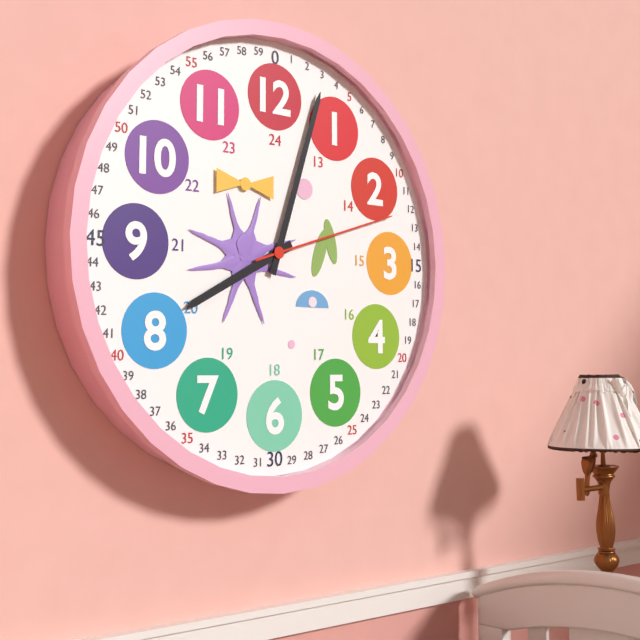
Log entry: 8h03m12s
